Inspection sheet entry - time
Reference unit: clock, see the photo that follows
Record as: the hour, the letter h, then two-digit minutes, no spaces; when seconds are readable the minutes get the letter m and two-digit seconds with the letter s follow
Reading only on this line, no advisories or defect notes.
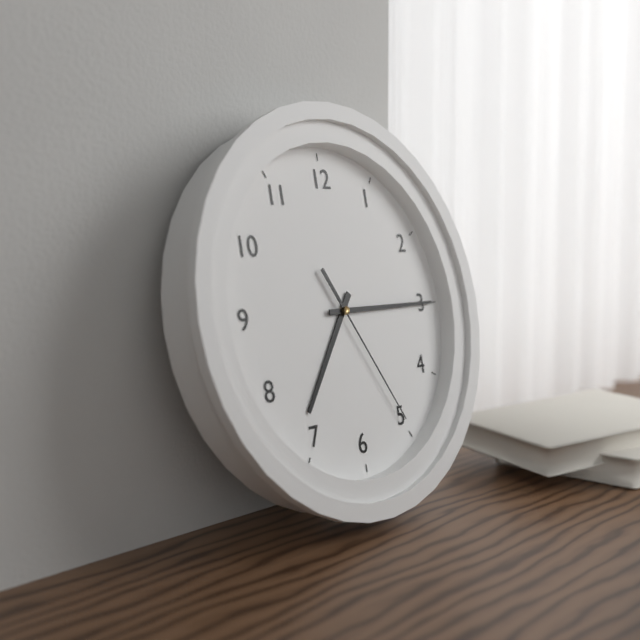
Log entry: 7h15m25s
